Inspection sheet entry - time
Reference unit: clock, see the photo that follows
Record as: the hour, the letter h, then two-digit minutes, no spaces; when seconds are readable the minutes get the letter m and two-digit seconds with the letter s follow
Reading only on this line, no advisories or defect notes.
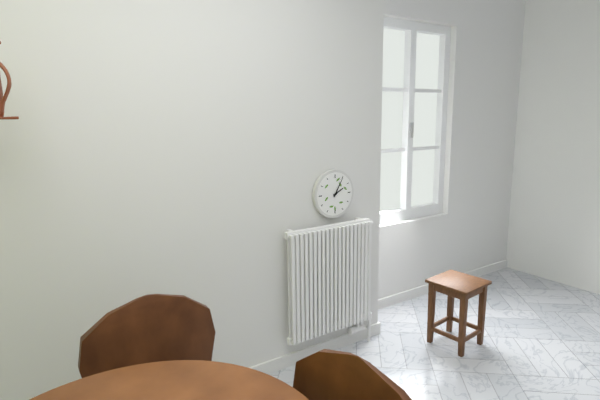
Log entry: 2h05
